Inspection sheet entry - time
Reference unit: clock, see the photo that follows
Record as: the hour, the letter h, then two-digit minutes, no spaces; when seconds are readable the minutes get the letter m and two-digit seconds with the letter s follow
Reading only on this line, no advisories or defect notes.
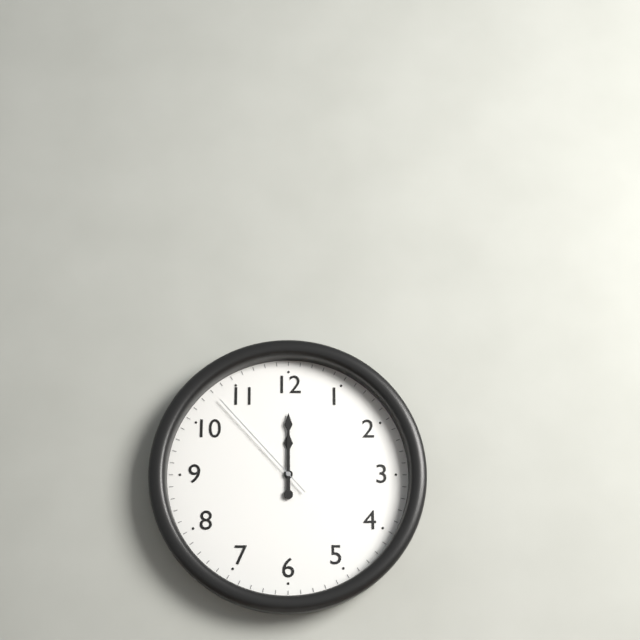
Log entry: 12h00m53s
